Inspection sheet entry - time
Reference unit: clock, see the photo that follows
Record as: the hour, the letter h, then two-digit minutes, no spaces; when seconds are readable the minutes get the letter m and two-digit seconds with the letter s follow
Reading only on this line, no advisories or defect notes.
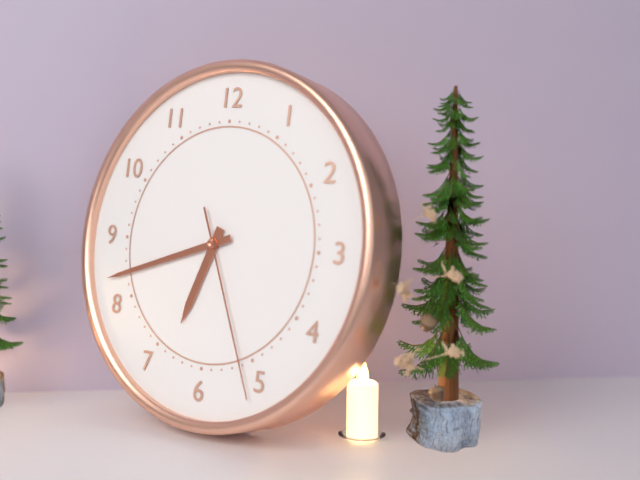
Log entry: 6h42m26s
